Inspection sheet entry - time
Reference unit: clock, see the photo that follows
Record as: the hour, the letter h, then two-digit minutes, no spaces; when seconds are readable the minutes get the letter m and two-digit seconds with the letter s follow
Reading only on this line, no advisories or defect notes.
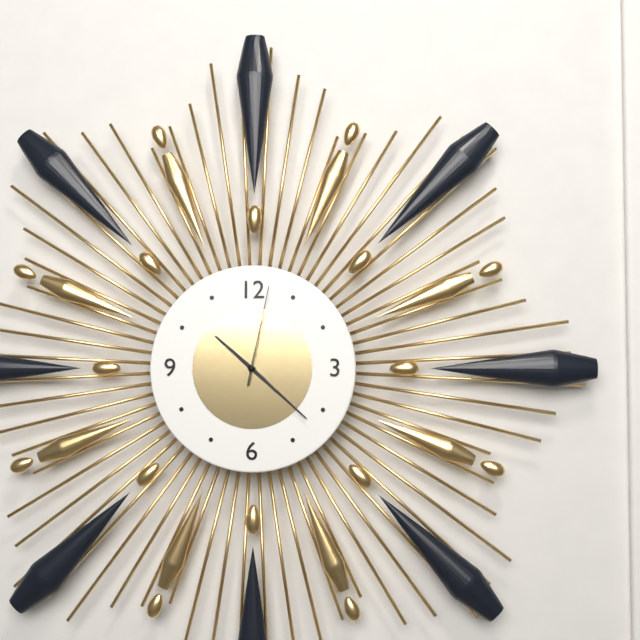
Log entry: 10h22m02s
